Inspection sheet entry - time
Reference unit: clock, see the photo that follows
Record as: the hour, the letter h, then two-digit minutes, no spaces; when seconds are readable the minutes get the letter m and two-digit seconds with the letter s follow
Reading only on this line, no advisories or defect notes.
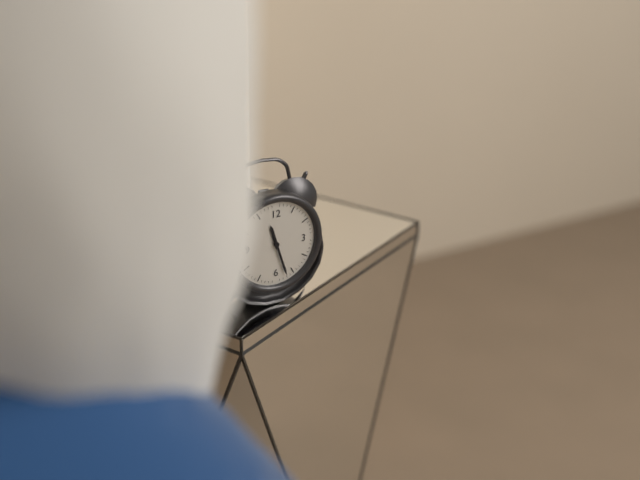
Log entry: 11h27
